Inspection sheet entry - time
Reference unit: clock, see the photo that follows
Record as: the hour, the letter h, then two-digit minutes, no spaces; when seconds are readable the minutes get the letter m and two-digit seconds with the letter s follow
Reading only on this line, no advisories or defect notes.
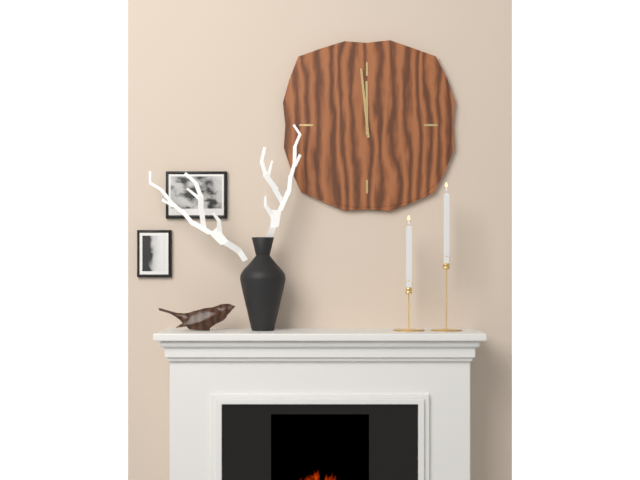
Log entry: 11h59
